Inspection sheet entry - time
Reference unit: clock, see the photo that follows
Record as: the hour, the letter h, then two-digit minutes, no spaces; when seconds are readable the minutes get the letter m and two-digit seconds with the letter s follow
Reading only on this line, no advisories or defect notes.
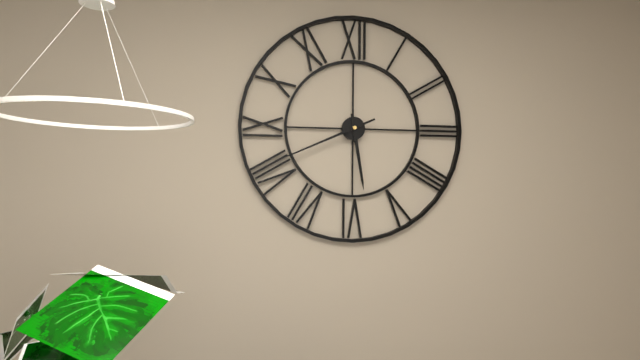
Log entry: 5h41
